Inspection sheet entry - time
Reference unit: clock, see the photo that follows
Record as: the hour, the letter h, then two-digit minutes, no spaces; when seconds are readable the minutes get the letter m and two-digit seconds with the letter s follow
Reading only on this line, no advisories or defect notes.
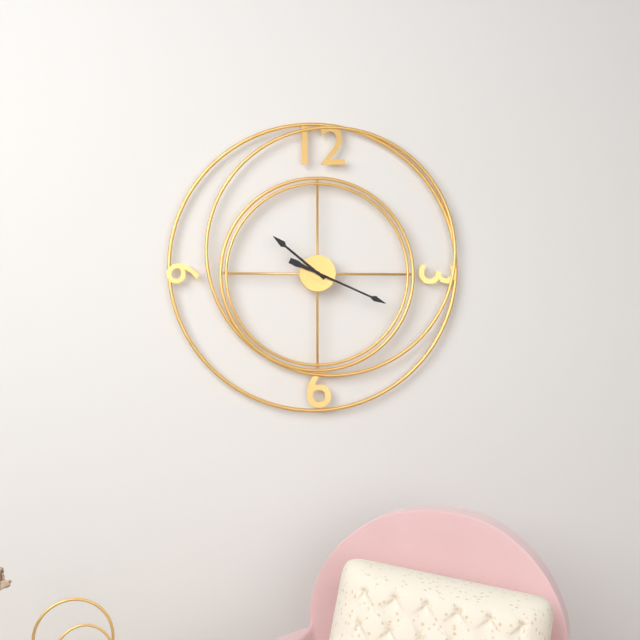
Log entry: 10h19
